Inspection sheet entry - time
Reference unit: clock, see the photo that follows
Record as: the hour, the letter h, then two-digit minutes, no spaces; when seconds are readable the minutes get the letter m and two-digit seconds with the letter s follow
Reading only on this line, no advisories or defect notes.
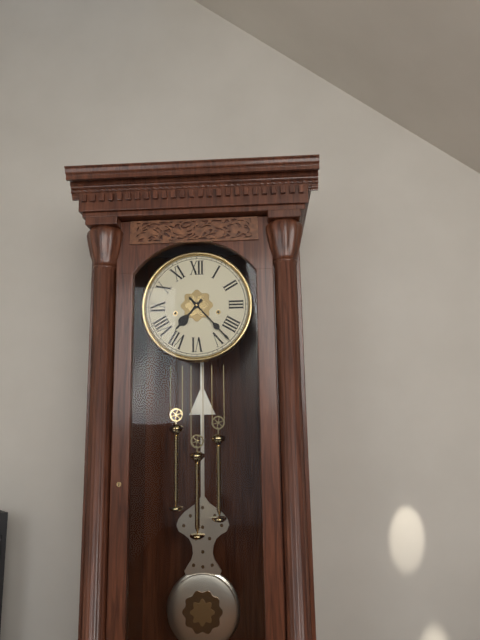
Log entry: 7h23
